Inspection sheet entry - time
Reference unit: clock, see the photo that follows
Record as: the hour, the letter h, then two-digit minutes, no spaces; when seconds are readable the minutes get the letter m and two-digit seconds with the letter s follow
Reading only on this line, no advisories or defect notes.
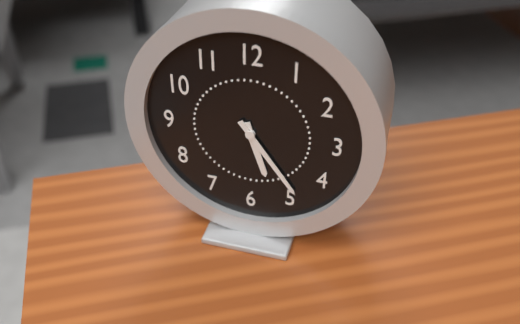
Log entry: 5h24
